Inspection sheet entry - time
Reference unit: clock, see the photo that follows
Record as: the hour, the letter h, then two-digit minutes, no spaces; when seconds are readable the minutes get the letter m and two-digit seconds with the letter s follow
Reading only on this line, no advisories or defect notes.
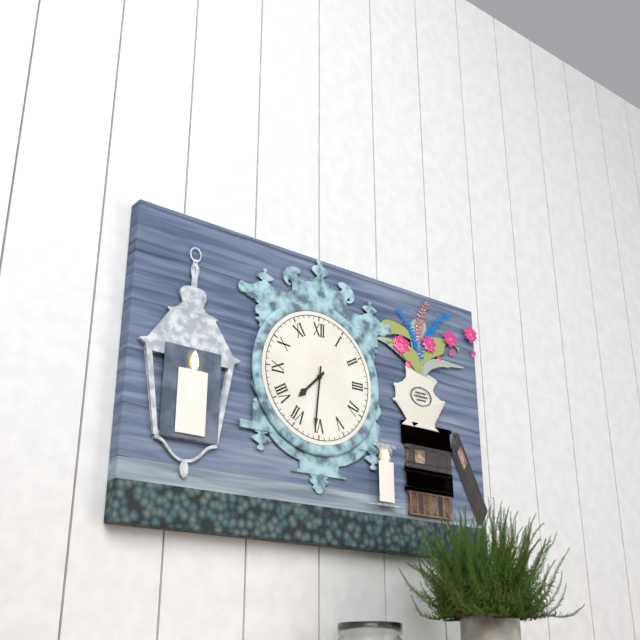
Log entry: 7h31
